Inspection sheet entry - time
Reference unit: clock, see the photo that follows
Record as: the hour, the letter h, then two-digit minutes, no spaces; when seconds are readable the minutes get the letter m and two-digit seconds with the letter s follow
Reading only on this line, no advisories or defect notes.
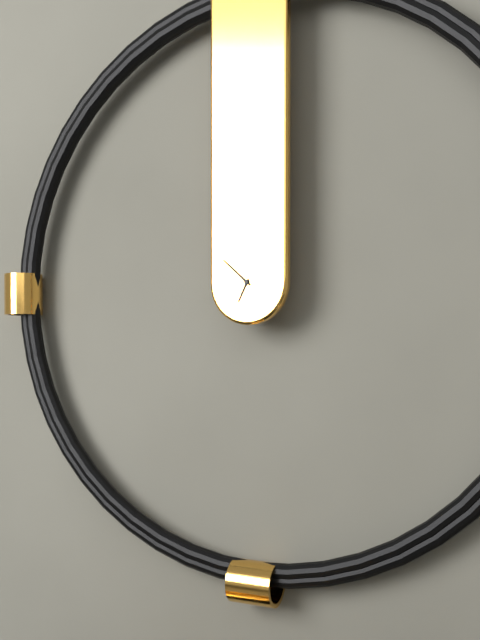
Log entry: 6h52
